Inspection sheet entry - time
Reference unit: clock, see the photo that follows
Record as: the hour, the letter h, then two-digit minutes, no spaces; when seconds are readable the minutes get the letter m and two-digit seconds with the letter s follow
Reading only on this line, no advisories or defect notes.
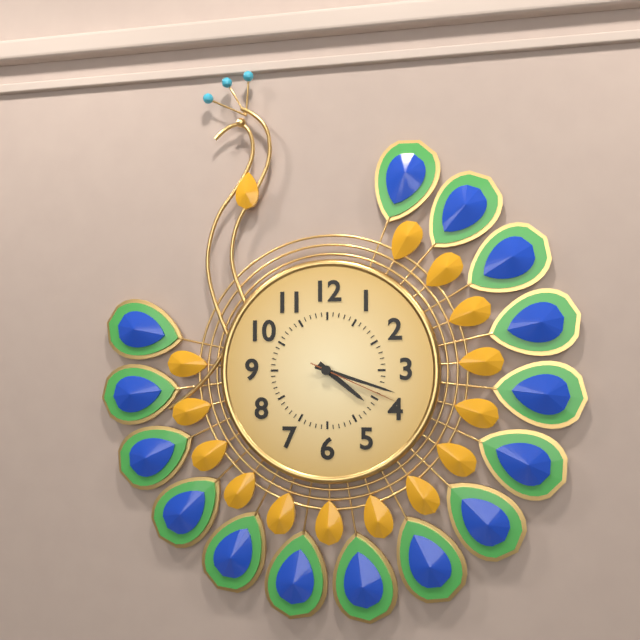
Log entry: 4h18m19s
